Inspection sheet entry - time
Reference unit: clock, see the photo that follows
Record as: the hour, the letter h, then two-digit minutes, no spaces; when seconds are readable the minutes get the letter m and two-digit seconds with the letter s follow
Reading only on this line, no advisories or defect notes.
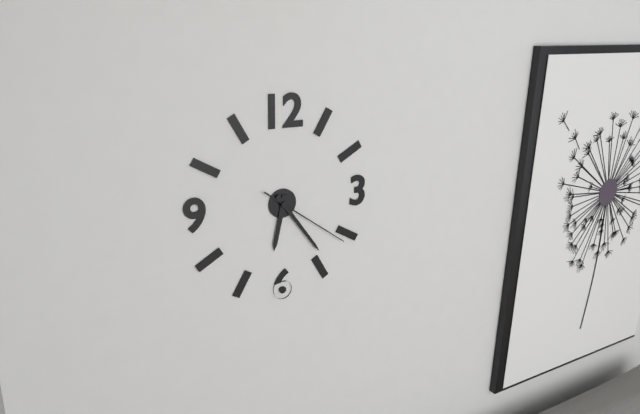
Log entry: 6h24m21s
